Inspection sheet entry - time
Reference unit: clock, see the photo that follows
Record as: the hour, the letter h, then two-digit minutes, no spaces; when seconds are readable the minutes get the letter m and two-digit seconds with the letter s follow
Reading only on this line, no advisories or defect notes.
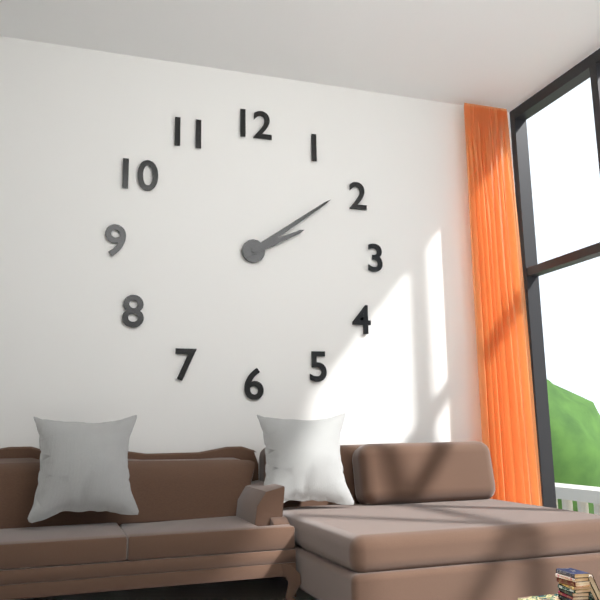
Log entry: 2h09
